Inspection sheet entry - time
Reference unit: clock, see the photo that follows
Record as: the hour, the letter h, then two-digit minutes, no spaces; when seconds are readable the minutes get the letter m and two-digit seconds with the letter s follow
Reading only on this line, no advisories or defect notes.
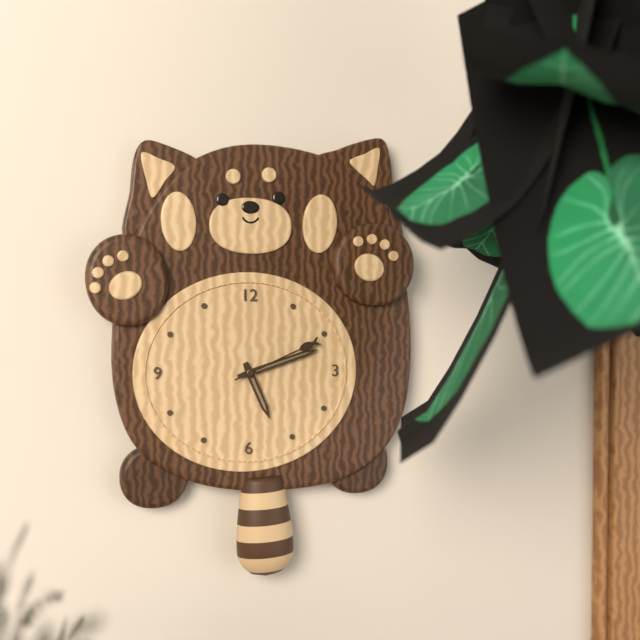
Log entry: 5h12m11s
